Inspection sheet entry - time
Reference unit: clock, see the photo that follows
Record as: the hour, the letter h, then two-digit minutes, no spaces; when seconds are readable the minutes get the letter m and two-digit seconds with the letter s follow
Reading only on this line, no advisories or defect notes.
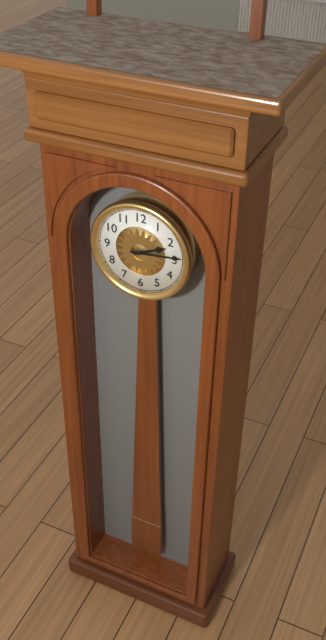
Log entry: 2h14
